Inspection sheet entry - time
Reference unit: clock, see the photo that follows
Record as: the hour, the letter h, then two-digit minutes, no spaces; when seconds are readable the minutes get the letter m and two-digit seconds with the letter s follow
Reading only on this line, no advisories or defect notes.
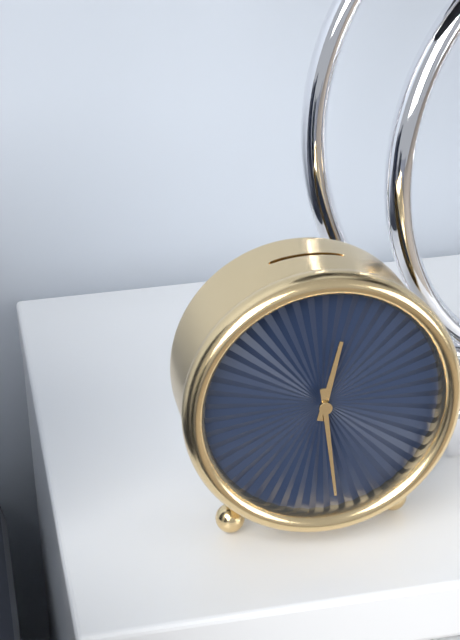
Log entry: 12h29
